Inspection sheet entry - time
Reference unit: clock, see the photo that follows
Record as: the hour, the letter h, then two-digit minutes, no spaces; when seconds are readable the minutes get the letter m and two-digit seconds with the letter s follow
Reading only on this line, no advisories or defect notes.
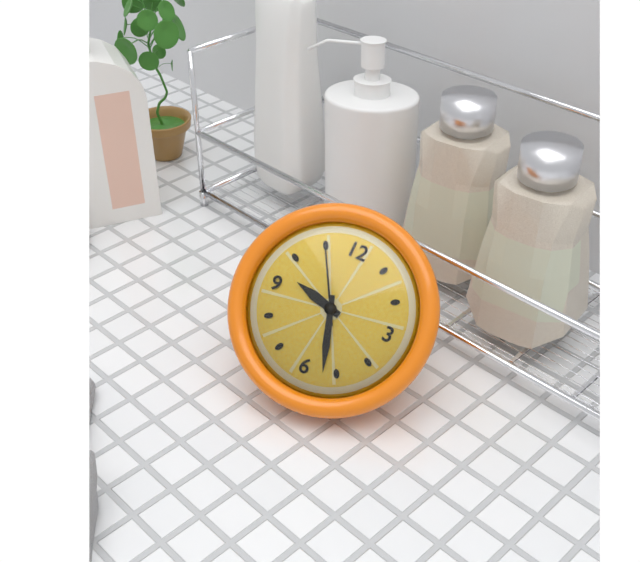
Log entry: 9h27m55s
